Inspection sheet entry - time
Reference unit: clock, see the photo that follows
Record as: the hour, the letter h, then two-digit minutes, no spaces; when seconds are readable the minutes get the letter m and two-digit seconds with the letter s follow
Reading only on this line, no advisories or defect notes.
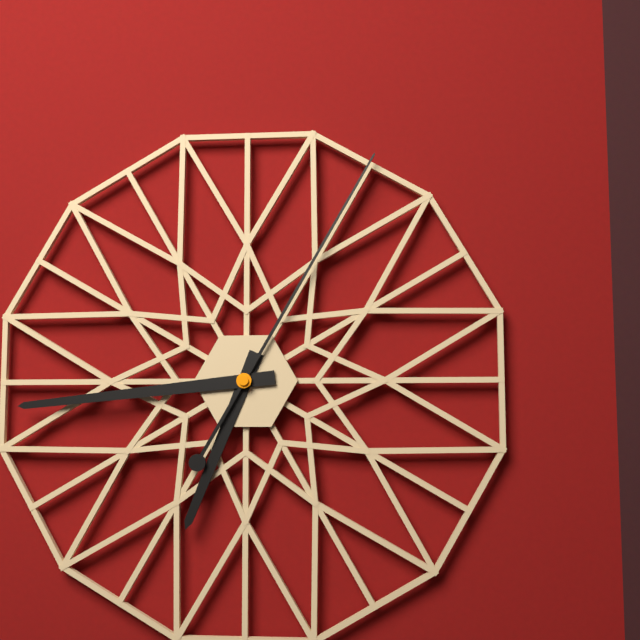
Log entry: 6h44m05s
